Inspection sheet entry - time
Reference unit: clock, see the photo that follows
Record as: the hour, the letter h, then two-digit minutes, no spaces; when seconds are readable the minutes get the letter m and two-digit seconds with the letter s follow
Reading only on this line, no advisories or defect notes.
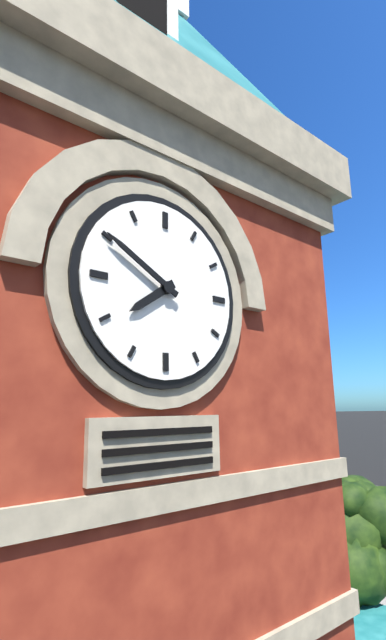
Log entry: 7h50
